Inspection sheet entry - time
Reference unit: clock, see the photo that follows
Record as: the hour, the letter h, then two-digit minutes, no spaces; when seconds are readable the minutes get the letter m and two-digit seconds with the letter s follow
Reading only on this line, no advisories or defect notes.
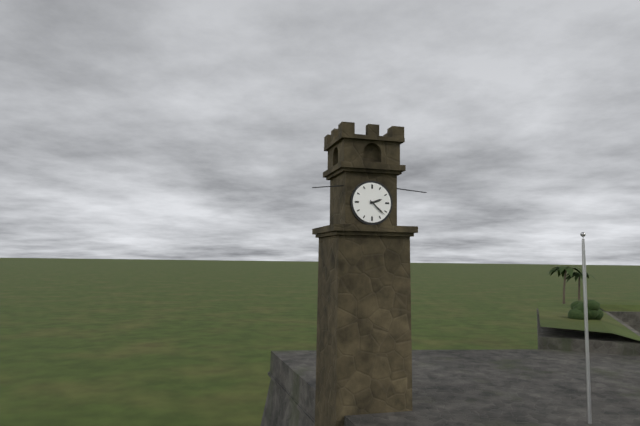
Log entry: 2h22
